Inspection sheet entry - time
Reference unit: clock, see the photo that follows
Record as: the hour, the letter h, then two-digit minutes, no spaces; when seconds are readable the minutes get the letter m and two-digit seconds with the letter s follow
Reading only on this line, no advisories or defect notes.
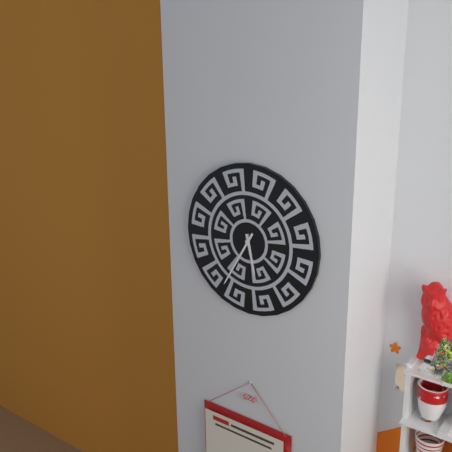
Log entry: 5h35
